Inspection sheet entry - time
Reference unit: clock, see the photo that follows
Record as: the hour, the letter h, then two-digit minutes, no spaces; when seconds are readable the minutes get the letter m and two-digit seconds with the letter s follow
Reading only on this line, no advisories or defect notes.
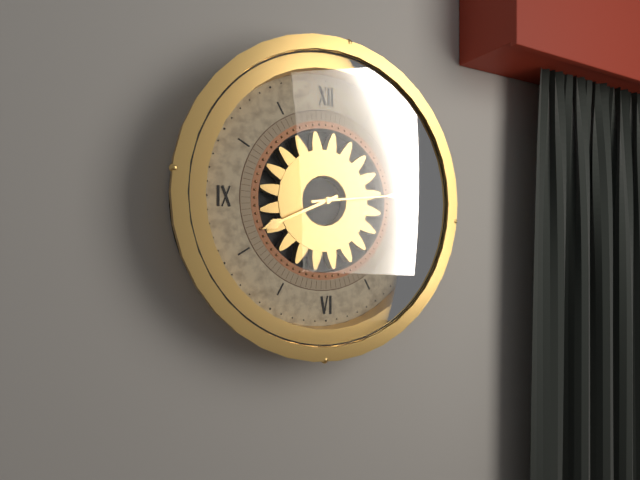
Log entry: 8h14
